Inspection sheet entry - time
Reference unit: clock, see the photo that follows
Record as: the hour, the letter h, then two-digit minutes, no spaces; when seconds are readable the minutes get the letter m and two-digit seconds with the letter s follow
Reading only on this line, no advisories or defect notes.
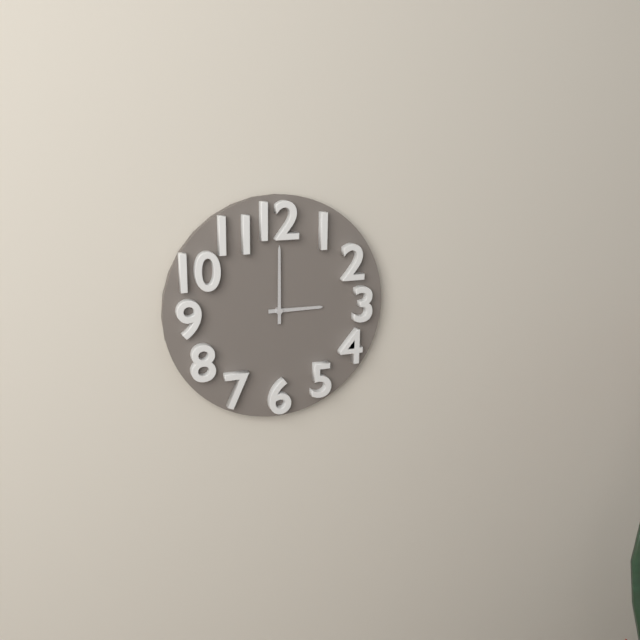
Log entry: 3h00
